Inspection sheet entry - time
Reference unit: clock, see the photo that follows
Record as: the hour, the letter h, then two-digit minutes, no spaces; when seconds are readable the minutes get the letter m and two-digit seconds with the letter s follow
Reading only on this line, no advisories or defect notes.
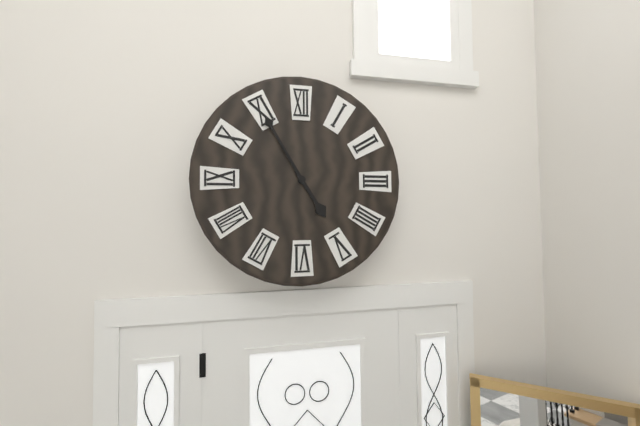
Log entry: 4h55
